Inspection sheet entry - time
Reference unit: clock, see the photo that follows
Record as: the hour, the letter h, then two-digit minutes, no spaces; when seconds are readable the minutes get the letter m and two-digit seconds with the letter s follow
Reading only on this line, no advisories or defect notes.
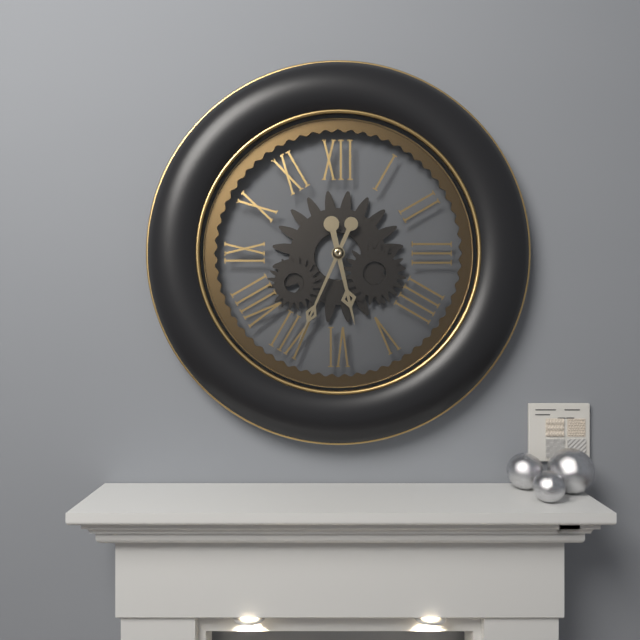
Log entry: 5h34
